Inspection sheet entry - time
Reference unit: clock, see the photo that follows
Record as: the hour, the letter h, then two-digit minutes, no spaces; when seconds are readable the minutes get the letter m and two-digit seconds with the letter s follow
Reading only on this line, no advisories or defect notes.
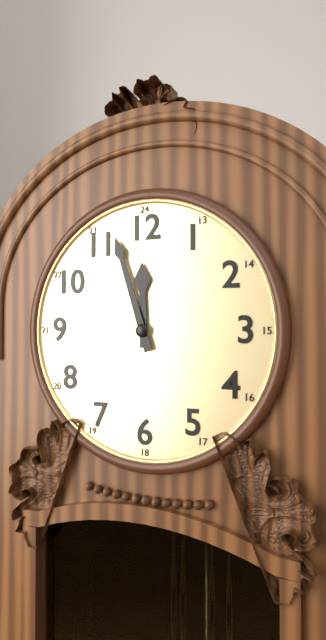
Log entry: 11h57
